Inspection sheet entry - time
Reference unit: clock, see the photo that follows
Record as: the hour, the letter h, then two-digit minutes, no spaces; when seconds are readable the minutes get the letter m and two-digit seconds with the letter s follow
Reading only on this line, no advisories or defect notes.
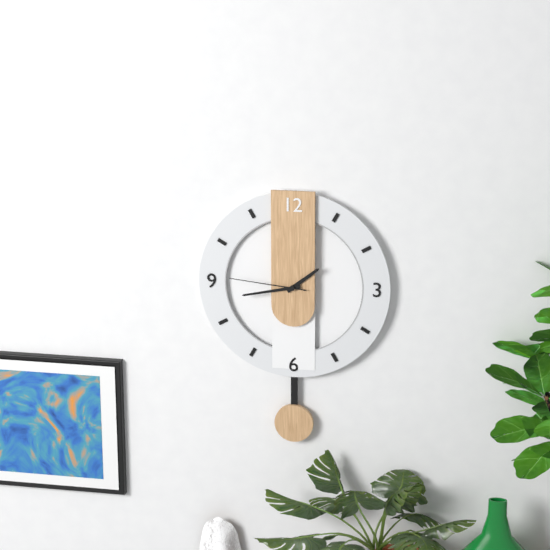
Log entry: 1h43m46s
